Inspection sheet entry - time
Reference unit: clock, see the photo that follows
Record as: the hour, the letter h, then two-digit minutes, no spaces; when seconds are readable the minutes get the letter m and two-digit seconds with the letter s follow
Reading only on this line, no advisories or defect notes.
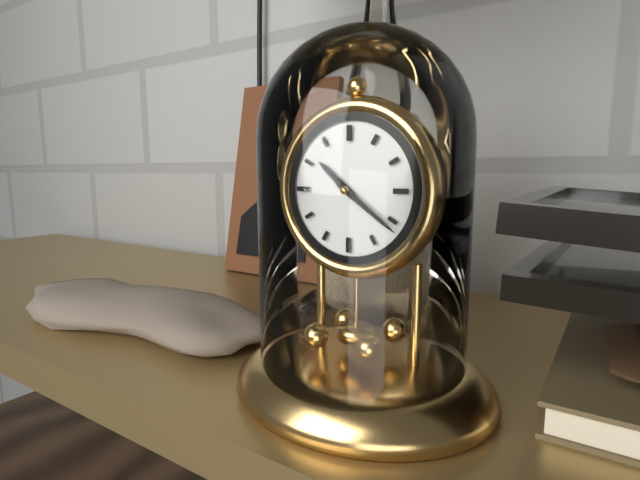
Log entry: 10h21
